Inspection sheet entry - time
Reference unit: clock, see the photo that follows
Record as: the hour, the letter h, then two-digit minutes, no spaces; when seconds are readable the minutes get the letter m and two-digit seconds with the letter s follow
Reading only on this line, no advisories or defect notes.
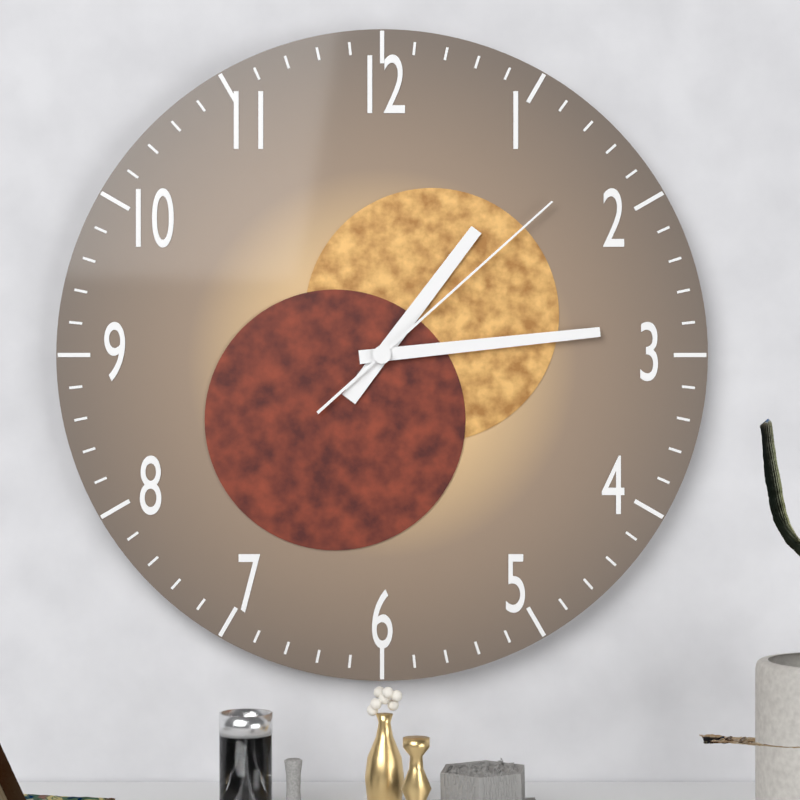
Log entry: 1h14m08s
